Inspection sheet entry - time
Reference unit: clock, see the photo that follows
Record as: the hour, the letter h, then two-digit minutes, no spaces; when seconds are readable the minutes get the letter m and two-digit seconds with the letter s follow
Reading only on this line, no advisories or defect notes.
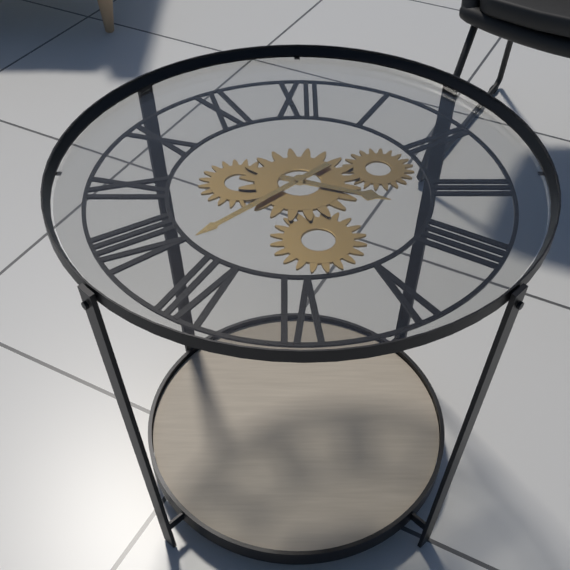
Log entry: 3h38
